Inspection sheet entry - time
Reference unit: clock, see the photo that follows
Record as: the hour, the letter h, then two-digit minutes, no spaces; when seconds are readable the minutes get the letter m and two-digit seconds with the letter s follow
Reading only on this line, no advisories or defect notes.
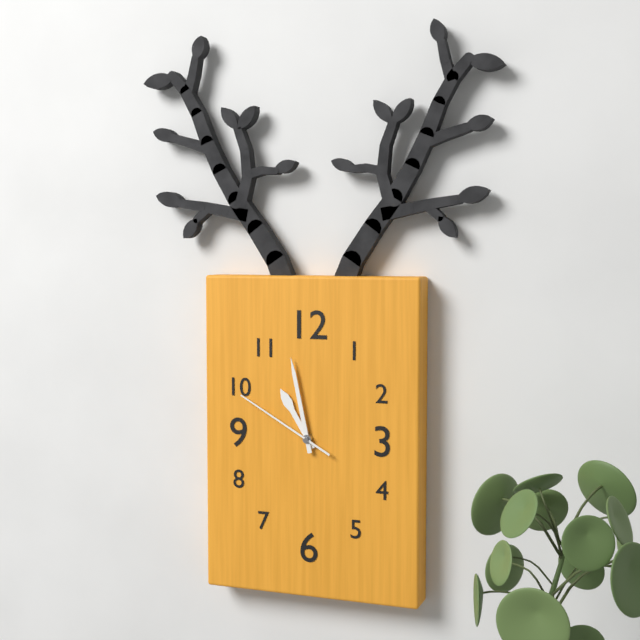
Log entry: 10h58m50s
